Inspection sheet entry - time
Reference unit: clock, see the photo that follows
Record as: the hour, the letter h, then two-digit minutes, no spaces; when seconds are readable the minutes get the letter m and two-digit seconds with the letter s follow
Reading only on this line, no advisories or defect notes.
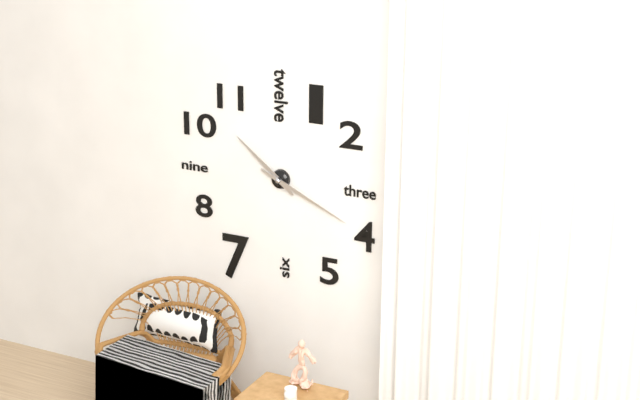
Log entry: 10h19
